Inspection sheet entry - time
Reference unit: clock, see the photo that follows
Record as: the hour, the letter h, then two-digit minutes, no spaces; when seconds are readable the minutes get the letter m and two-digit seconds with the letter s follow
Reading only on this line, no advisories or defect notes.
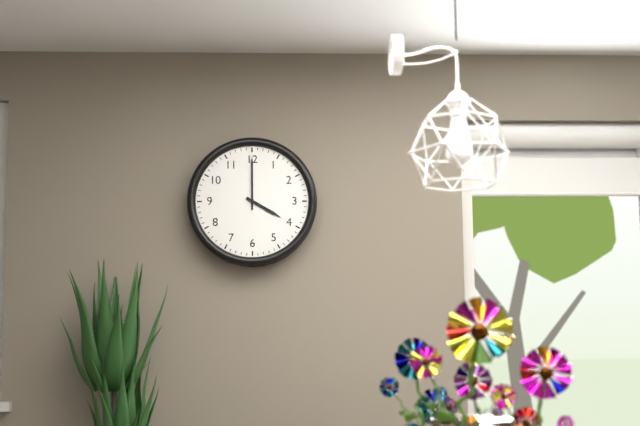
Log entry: 4h00
